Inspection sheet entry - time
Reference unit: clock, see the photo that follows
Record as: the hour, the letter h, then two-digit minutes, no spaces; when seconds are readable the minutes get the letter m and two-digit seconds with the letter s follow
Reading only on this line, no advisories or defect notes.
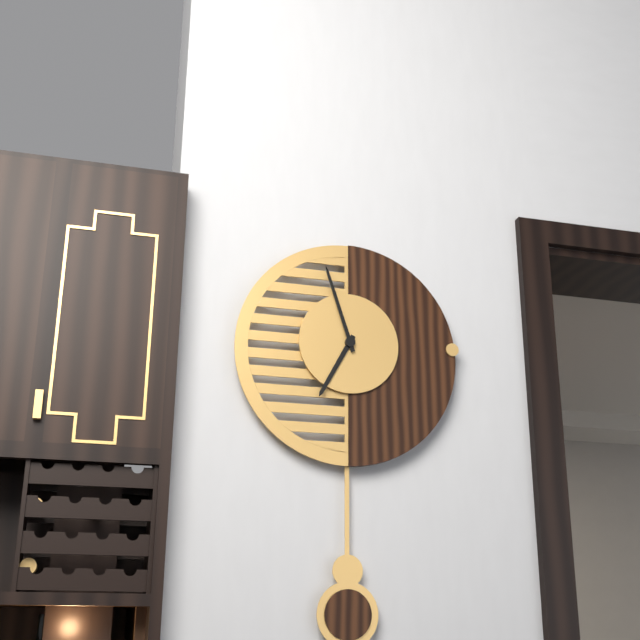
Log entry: 6h57
